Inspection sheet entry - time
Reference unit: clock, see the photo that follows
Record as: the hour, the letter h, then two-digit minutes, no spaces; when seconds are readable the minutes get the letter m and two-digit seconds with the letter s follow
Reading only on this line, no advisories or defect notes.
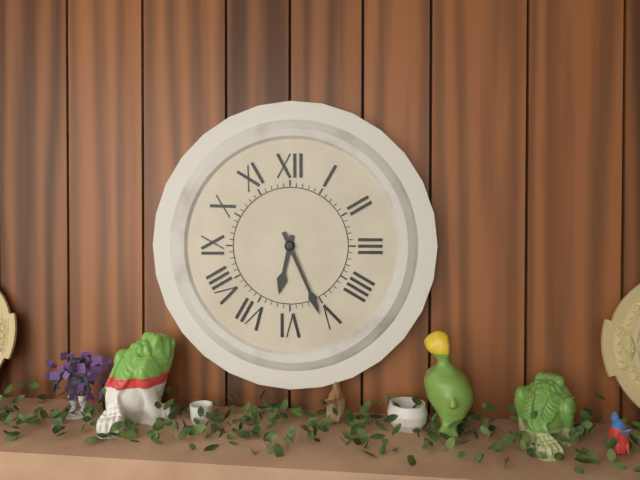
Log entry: 6h26
